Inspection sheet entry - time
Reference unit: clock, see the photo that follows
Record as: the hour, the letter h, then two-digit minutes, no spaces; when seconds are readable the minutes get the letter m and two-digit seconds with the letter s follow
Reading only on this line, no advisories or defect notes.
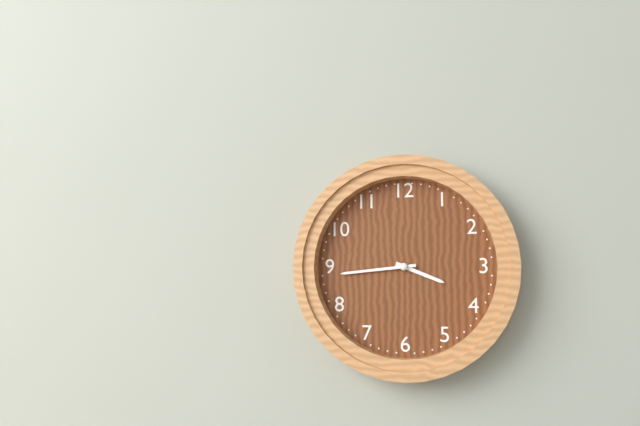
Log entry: 3h44
